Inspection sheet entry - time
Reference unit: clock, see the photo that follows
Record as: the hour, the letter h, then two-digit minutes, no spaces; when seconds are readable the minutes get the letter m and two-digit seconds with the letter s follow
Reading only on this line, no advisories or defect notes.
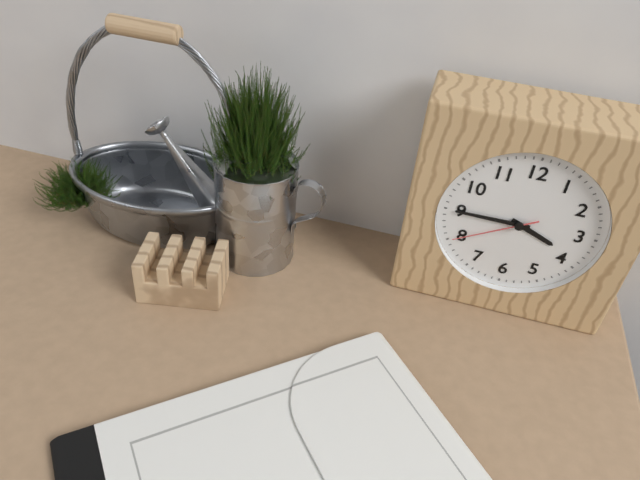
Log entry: 3h45m40s
